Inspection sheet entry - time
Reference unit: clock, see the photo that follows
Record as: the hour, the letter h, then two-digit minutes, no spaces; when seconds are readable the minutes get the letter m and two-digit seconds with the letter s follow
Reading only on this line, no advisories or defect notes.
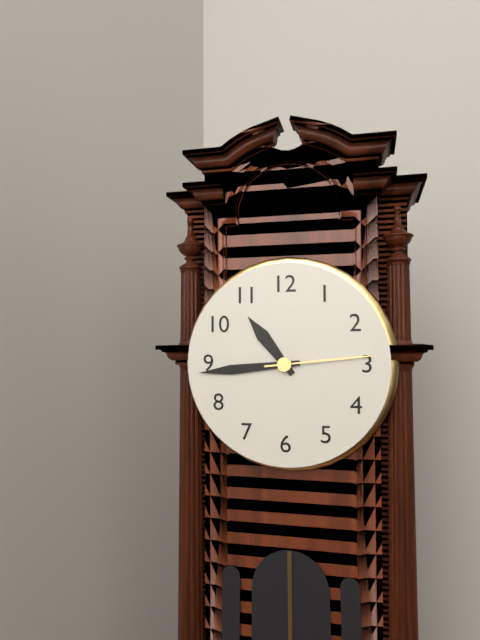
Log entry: 10h44m14s
